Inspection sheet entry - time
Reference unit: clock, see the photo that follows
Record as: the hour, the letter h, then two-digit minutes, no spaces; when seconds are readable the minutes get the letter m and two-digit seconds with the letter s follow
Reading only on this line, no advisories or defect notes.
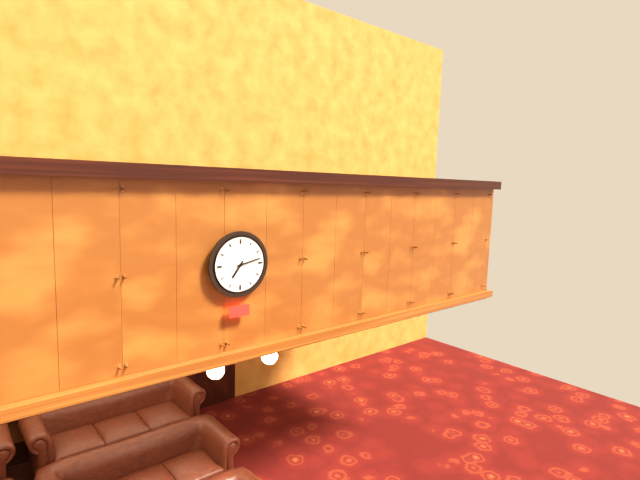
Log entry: 7h13
